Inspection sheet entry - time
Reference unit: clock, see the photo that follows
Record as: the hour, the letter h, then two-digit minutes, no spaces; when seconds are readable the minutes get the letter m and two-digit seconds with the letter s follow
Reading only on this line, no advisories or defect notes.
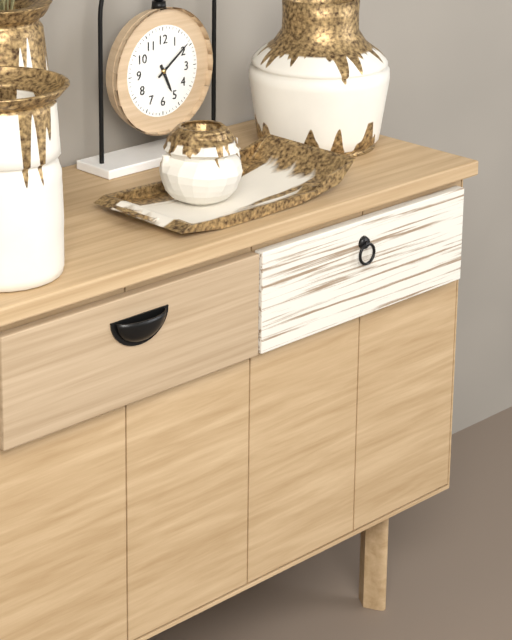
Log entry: 5h09
